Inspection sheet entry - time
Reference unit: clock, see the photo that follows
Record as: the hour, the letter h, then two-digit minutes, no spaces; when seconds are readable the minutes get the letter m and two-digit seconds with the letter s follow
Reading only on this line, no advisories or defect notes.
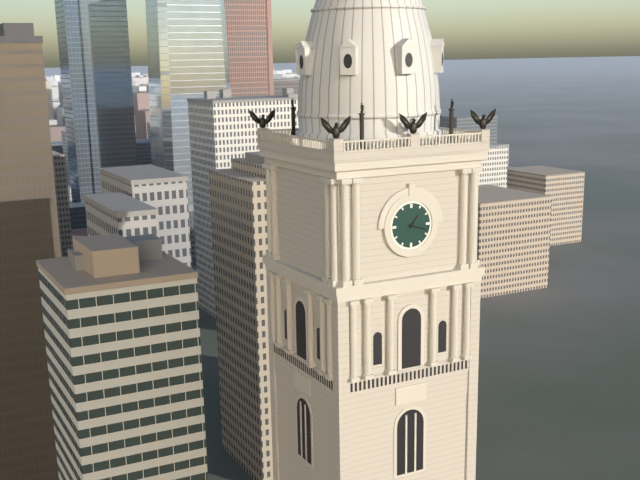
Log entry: 1h18
